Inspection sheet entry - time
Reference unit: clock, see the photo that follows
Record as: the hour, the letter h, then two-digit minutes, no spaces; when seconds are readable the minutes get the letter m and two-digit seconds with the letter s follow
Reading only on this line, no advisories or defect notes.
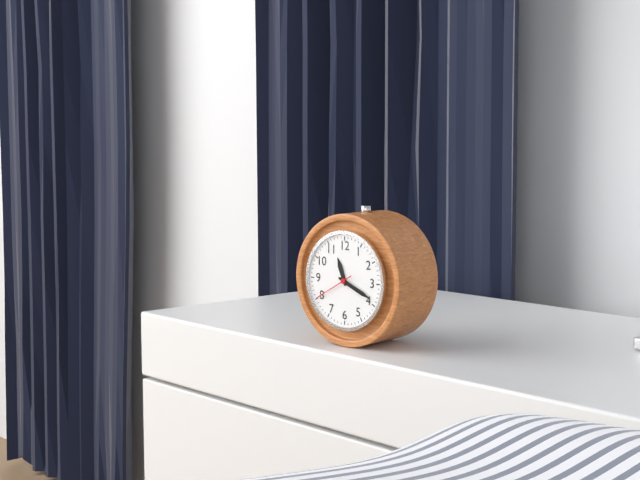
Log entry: 11h19
